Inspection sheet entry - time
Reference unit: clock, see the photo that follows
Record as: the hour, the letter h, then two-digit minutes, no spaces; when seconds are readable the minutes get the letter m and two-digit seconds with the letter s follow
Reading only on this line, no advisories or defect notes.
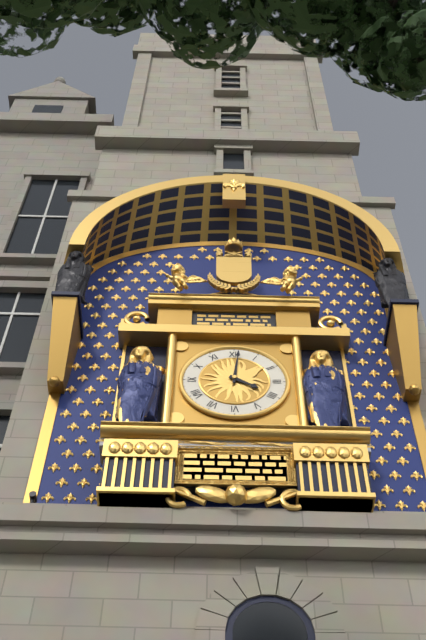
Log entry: 4h01
